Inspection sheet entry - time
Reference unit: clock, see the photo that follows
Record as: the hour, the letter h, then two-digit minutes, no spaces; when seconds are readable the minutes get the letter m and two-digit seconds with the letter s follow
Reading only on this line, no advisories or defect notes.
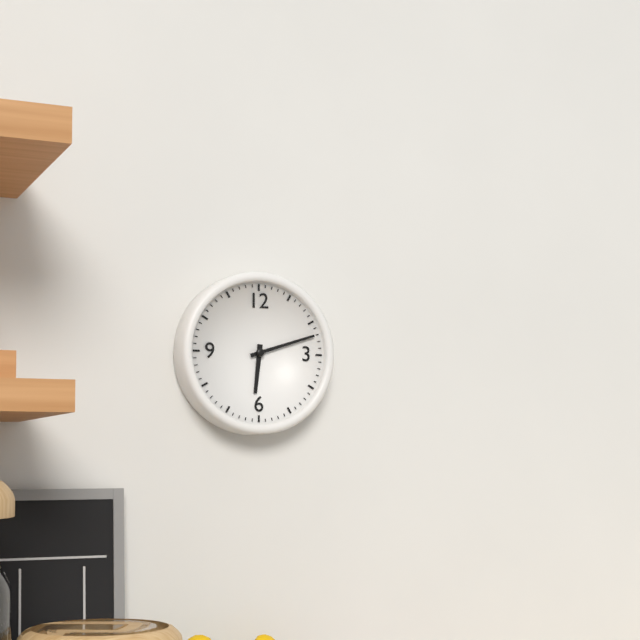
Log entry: 6h12
